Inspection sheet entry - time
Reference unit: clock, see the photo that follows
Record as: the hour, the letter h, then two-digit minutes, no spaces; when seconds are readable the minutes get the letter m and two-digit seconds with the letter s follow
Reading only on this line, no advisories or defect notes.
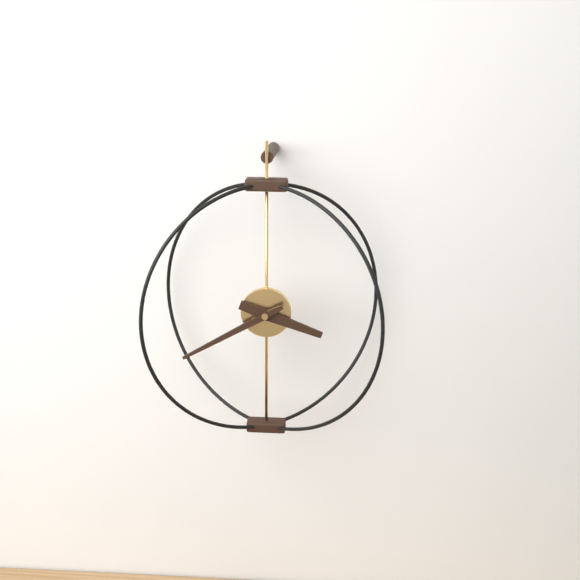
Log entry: 3h40
